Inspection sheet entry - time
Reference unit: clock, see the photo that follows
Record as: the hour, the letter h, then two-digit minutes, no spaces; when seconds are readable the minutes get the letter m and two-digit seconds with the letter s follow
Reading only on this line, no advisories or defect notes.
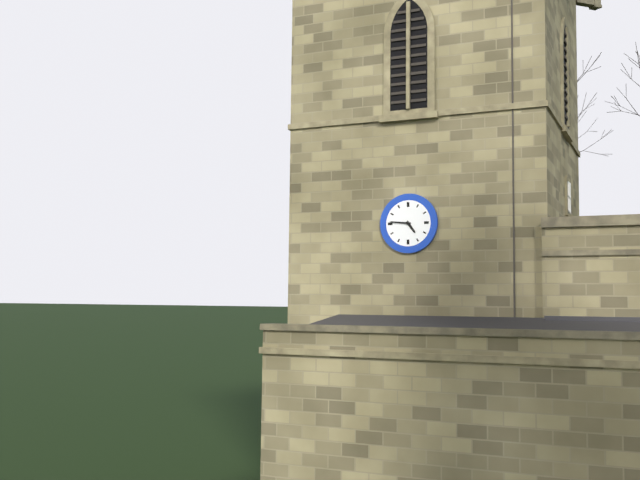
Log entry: 4h46
